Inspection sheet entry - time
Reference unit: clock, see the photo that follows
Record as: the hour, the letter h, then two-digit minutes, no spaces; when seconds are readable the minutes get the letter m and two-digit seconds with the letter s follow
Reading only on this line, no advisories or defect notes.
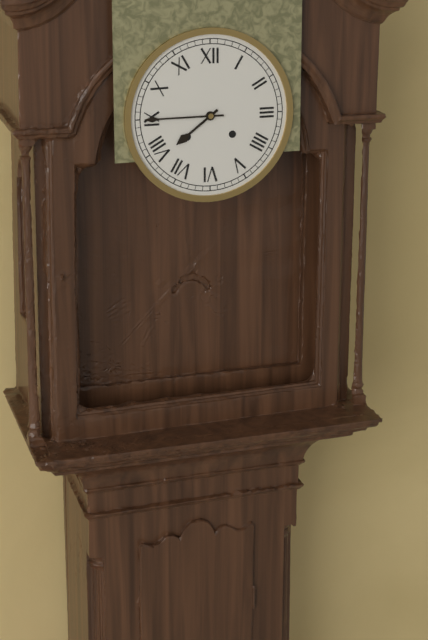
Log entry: 7h45
